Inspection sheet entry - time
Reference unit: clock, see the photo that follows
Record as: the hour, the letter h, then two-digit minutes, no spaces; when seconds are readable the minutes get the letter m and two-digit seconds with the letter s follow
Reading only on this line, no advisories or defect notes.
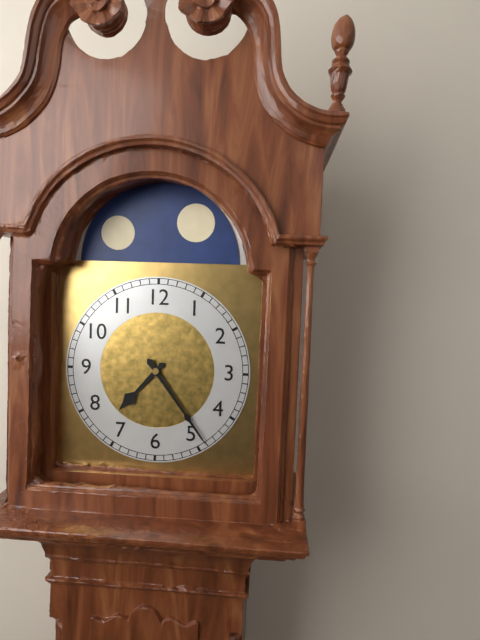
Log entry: 7h24
